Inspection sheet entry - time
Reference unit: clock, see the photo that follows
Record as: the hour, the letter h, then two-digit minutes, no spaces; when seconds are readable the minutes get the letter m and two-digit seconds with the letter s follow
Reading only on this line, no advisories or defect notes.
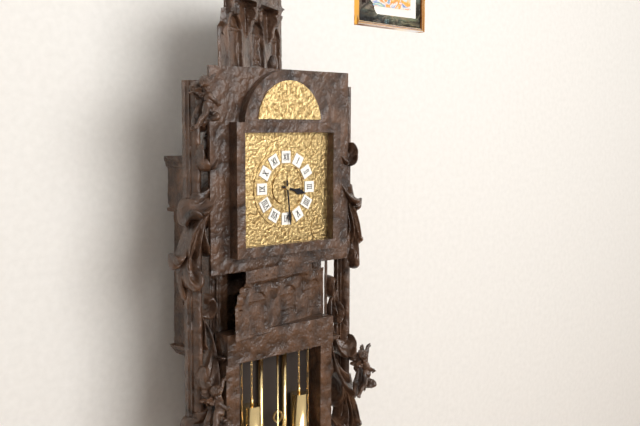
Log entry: 3h29
